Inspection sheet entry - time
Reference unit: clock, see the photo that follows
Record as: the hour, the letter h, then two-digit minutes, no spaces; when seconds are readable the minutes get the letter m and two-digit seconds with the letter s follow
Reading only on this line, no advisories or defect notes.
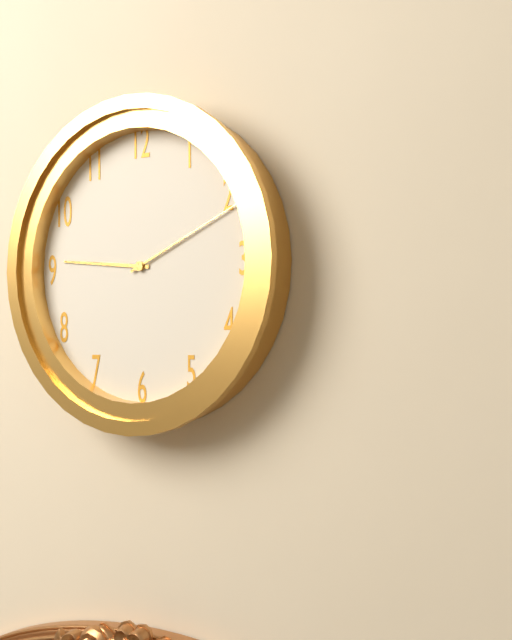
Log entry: 9h11
